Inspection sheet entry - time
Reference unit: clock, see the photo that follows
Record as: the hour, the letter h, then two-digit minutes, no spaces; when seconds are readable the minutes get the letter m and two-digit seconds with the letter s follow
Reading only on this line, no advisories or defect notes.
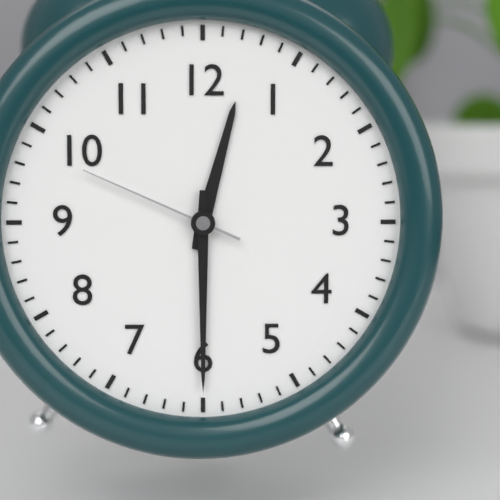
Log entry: 12h30m49s
